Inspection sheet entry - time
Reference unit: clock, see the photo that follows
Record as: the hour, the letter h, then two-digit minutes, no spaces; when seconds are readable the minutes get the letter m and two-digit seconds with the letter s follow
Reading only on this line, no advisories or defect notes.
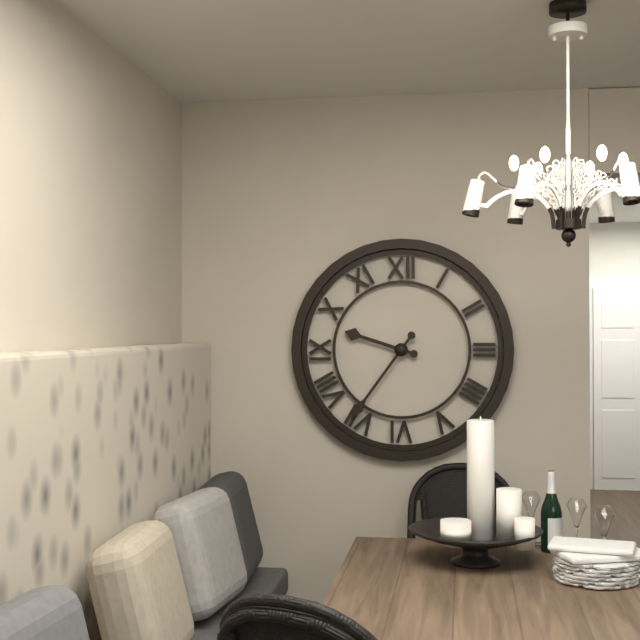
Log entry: 9h36
